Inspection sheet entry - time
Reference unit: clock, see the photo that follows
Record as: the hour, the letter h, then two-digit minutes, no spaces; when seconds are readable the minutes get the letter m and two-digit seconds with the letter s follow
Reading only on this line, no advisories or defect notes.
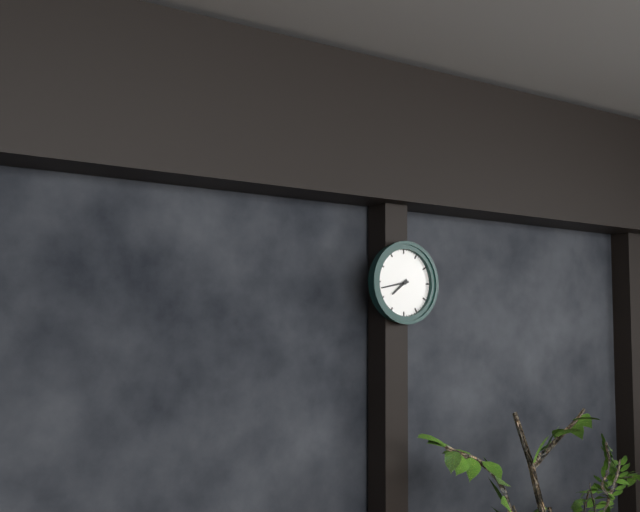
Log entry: 7h43
